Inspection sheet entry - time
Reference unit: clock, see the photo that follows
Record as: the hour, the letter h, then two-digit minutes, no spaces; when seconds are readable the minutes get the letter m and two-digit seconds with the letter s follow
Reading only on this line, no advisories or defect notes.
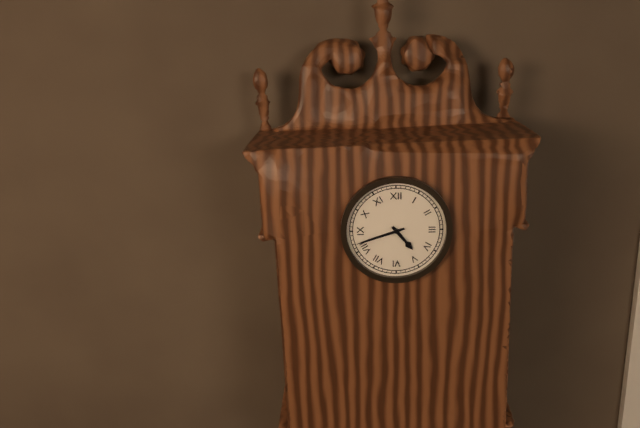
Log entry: 4h42
